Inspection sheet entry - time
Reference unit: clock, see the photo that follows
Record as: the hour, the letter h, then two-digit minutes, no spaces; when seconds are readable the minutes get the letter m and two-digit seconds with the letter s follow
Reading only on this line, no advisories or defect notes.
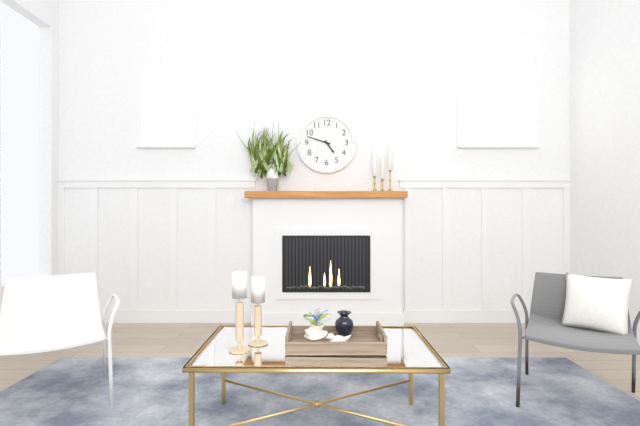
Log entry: 4h48
